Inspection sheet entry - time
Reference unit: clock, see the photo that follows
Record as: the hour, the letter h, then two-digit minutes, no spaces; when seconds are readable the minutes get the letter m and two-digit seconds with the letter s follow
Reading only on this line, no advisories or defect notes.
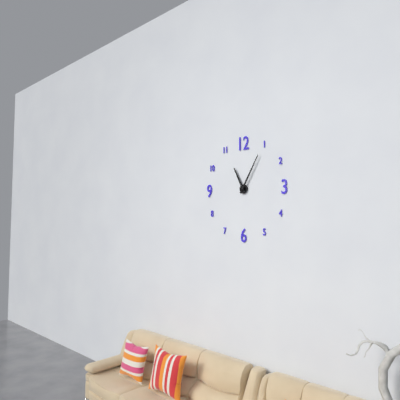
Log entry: 11h05
